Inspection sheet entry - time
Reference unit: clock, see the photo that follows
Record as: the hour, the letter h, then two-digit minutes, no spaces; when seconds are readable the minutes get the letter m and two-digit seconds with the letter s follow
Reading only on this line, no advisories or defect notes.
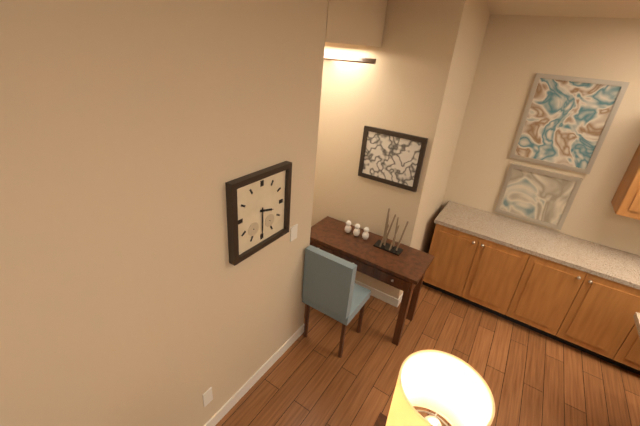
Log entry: 3h30
